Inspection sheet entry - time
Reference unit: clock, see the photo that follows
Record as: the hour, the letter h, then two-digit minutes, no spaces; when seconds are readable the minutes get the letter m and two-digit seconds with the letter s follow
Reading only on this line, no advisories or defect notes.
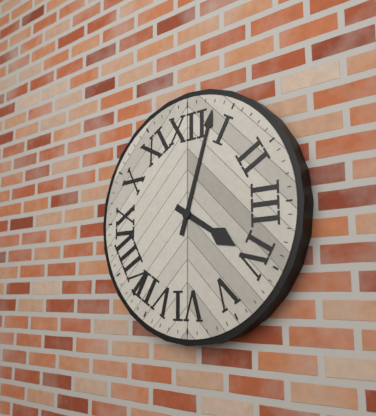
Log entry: 4h03
